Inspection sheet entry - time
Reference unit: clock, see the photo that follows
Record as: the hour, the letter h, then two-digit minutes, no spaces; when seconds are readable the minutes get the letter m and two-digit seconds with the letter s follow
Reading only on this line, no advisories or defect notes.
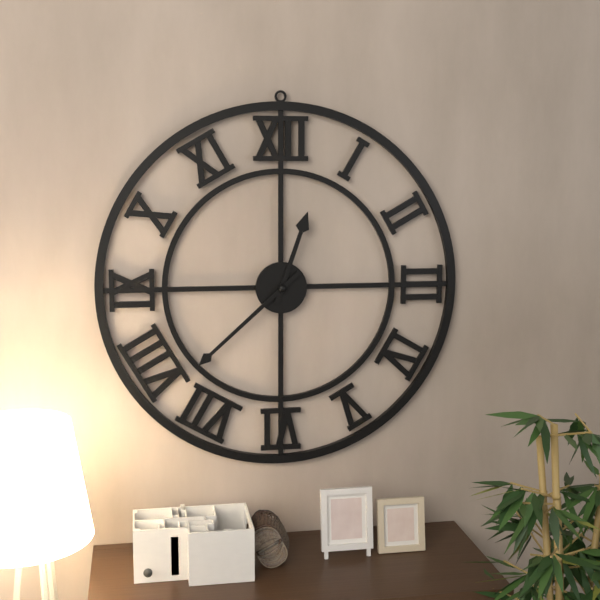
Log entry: 12h38
